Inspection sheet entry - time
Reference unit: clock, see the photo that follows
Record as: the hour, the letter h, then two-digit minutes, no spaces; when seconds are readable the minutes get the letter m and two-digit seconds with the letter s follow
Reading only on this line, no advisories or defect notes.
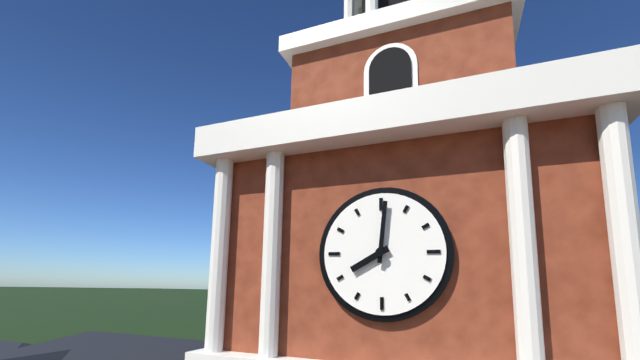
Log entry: 8h01
